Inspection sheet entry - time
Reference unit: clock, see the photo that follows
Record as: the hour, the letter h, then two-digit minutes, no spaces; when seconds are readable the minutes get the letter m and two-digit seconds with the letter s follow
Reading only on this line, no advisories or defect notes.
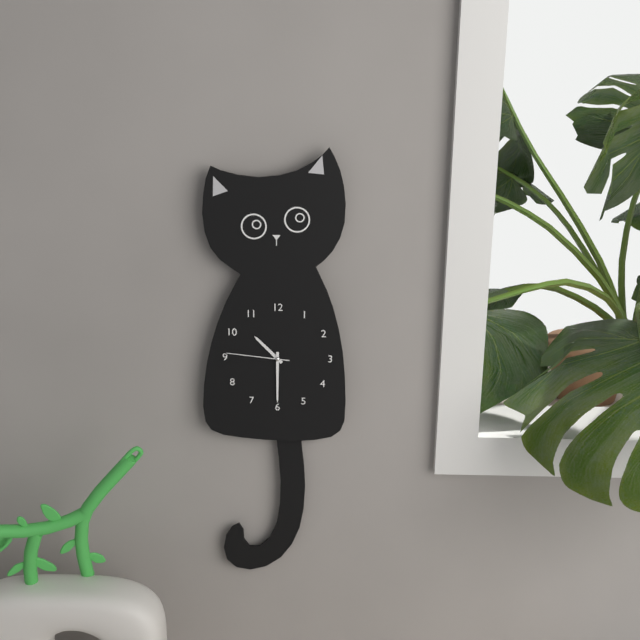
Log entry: 10h30m46s
